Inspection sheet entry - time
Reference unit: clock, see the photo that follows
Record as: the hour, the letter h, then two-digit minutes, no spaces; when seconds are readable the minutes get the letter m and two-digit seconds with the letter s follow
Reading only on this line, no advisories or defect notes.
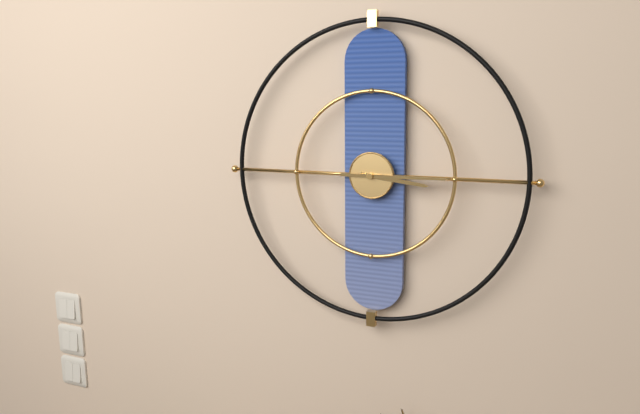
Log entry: 3h15
